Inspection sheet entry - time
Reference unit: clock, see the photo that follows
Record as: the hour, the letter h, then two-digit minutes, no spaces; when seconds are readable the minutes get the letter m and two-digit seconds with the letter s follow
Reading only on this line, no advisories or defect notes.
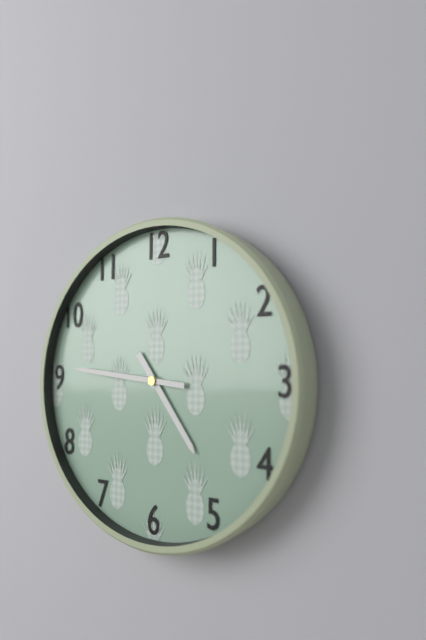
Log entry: 4h46
